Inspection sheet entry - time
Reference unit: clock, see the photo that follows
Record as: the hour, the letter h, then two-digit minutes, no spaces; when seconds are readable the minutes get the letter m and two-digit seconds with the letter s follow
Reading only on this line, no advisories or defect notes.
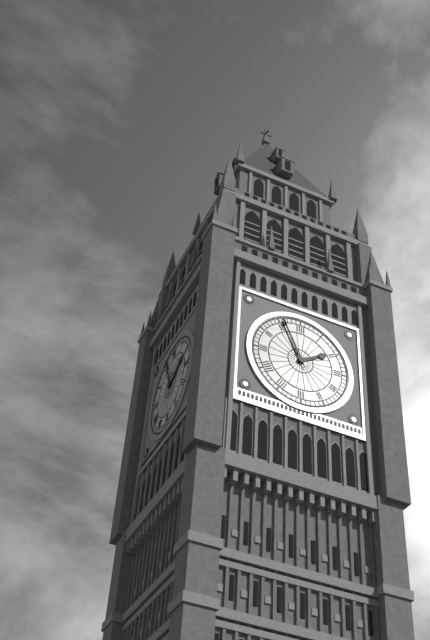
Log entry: 1h56
